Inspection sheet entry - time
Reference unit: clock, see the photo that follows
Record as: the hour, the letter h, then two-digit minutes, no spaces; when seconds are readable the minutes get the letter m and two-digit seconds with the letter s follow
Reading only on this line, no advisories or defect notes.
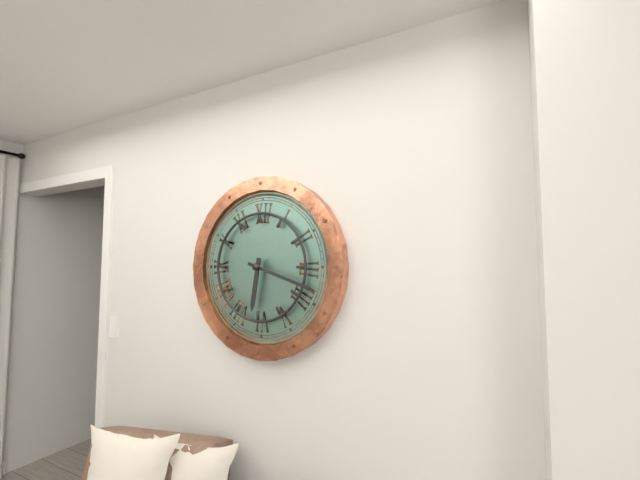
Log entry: 6h18
